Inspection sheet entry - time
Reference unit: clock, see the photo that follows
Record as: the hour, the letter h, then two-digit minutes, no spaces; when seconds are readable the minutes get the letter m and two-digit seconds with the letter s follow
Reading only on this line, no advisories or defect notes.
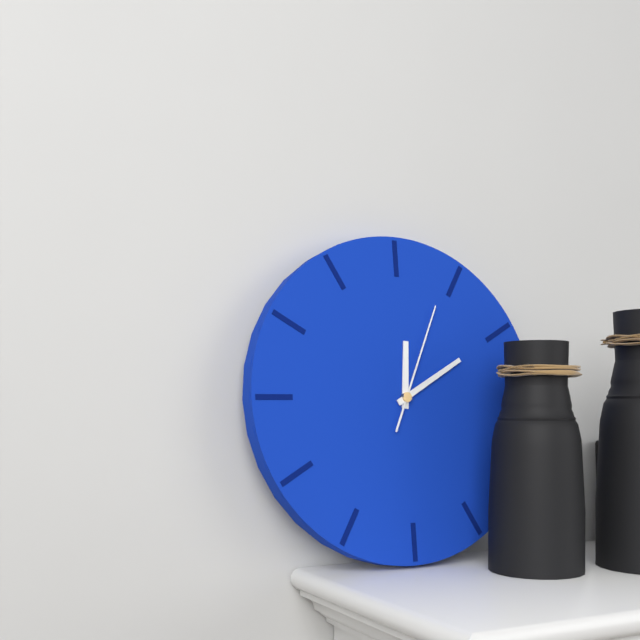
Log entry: 12h10m04s
